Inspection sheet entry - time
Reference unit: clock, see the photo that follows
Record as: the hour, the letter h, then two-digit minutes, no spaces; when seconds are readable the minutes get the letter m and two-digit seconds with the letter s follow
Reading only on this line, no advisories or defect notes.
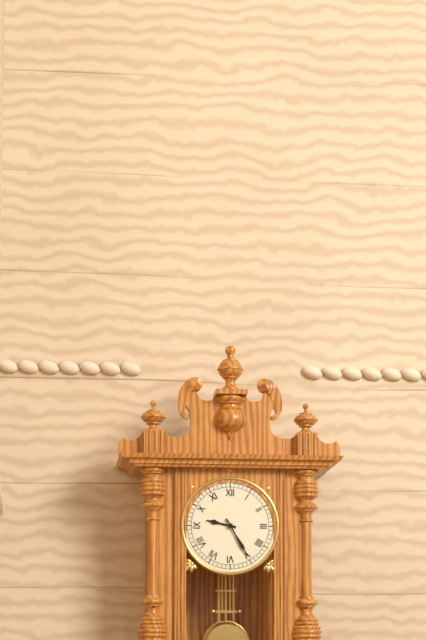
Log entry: 9h25
